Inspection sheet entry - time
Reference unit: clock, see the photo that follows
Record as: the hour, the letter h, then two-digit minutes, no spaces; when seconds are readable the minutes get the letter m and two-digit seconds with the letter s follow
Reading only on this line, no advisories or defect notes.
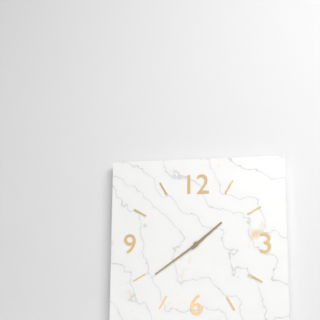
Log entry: 1h39
